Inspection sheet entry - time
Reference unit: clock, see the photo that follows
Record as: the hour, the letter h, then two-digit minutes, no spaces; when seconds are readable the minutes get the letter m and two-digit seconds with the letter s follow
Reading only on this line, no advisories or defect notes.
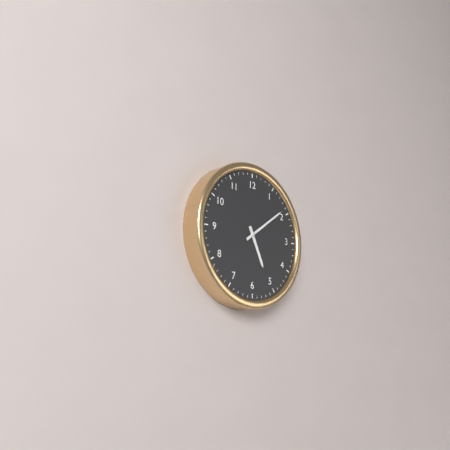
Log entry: 5h09
